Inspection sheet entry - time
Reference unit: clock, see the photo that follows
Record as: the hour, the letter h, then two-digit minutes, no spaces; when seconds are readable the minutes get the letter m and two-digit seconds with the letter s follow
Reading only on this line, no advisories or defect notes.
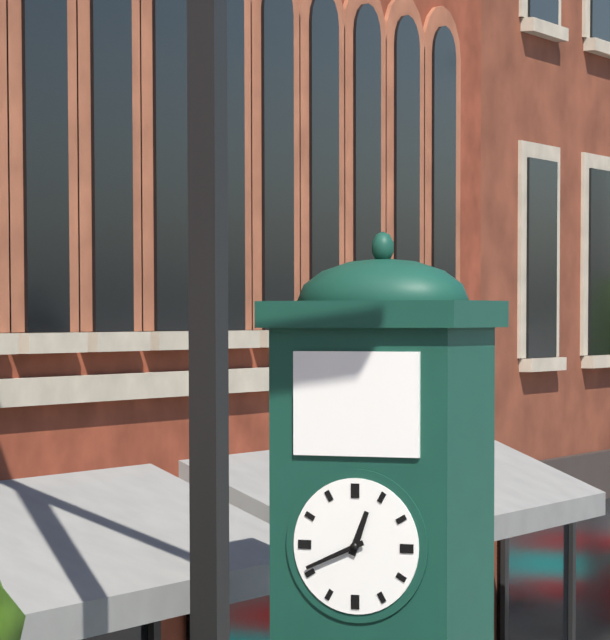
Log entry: 12h41
